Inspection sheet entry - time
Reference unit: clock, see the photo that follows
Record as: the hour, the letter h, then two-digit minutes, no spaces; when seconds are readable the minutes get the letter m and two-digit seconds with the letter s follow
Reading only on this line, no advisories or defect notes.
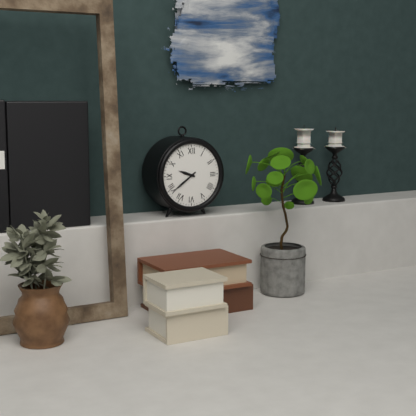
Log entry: 9h39
